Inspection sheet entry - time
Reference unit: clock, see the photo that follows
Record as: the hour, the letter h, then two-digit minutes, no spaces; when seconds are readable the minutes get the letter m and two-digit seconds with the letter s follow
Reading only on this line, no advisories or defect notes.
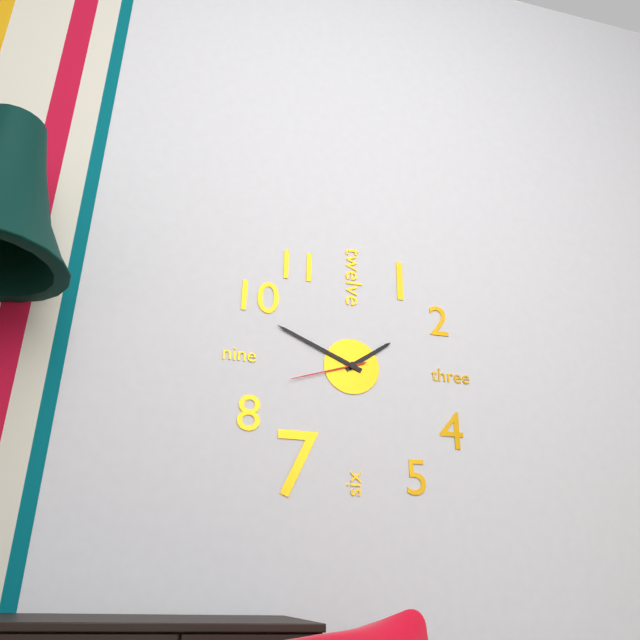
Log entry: 1h49m42s
